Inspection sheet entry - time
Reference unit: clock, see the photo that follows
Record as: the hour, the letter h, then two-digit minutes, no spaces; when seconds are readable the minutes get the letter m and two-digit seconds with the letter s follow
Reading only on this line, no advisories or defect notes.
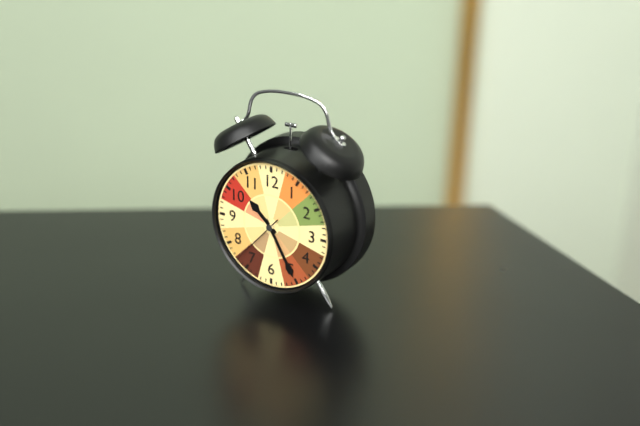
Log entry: 10h25m37s
